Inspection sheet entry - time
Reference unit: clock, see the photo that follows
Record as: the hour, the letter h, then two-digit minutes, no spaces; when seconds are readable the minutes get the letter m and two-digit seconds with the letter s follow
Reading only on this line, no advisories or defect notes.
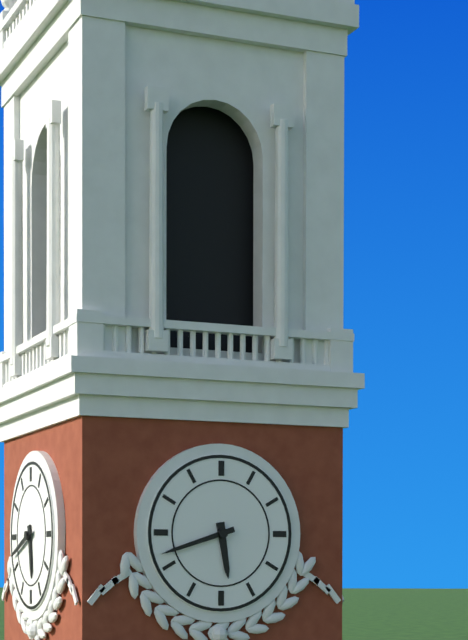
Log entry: 5h42
